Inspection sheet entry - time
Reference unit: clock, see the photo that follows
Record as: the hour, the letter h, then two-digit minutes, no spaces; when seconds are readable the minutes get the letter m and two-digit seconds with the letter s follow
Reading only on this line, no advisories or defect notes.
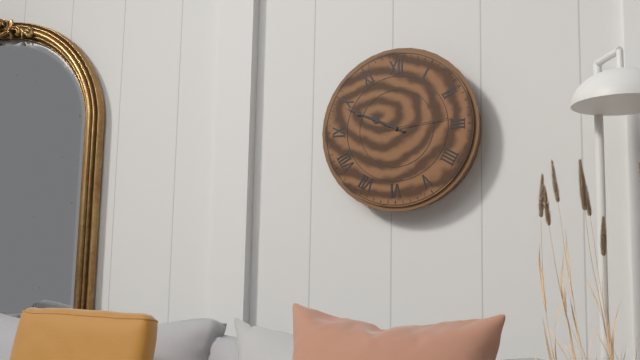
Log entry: 9h49m14s
